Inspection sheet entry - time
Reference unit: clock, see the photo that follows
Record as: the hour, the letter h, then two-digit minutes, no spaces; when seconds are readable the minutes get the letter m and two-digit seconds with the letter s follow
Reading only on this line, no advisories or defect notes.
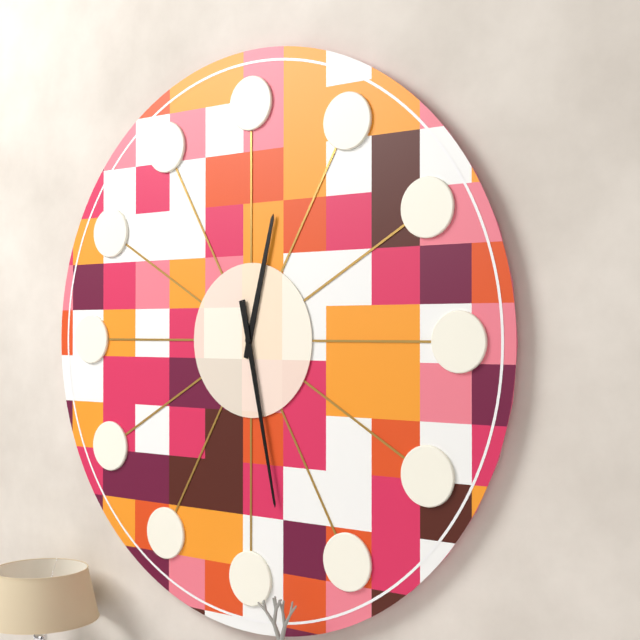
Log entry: 12h28
